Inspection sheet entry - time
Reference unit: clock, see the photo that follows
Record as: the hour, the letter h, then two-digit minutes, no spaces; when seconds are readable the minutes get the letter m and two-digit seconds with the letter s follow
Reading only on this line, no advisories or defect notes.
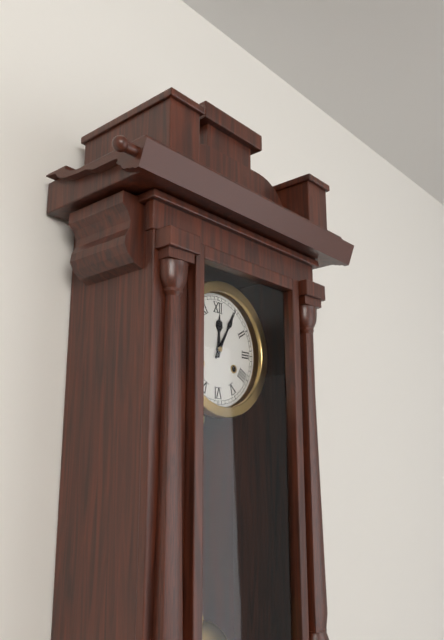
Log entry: 12h05
